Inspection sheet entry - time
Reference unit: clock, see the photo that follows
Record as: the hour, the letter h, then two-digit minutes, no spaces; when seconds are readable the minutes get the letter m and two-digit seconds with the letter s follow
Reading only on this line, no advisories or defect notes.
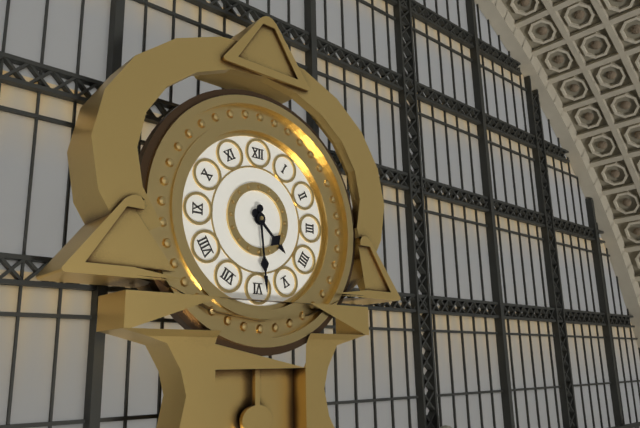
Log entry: 4h29
